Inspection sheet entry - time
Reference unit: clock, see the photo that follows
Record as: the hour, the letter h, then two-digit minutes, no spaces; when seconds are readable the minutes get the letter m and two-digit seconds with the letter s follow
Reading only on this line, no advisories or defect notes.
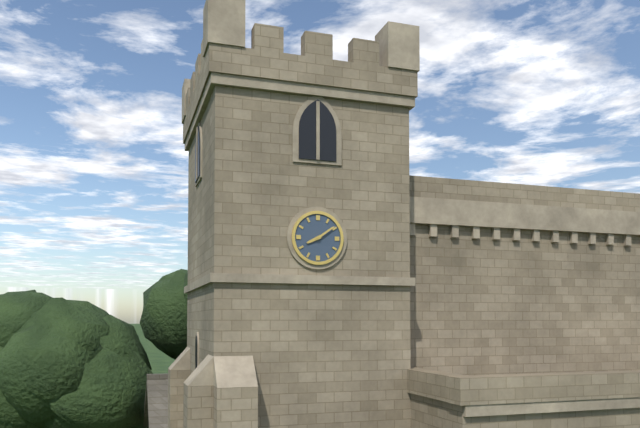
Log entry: 8h09
